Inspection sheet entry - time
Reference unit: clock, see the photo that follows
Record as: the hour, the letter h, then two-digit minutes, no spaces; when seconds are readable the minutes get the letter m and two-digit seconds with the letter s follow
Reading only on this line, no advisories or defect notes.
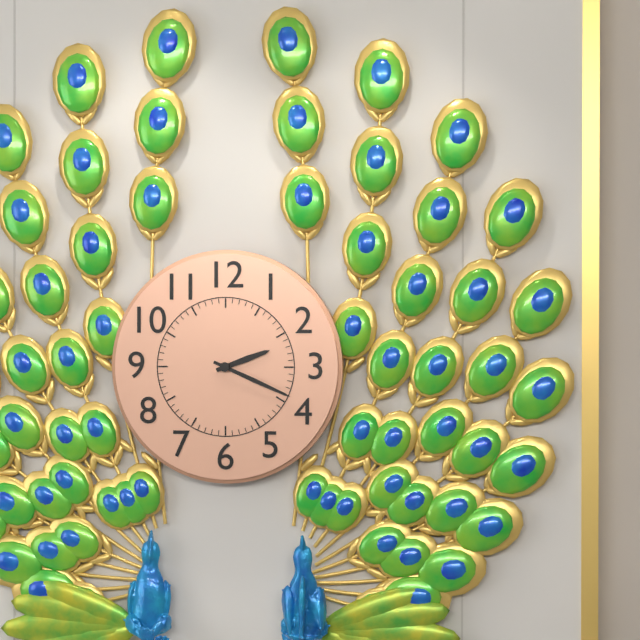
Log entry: 2h19
